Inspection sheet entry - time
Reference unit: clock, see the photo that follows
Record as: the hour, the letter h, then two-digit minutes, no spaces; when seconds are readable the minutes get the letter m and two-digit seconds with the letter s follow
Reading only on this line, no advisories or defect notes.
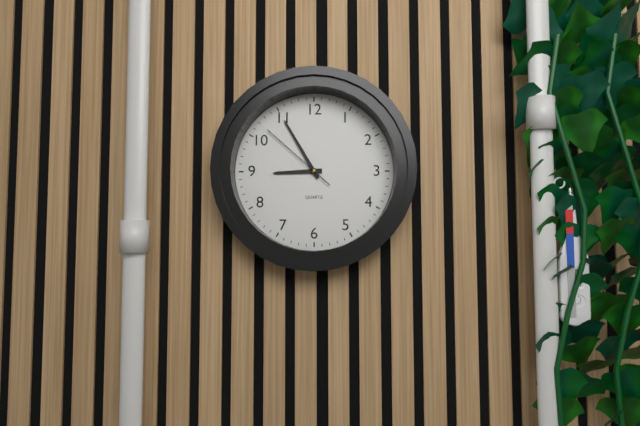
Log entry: 8h55m52s
